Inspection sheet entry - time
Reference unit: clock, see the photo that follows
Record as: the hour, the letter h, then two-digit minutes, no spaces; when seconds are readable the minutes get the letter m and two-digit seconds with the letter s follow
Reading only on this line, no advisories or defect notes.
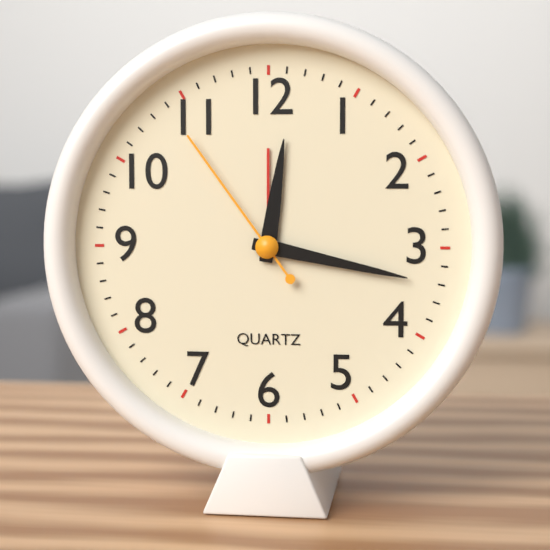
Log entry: 12h17m54s
